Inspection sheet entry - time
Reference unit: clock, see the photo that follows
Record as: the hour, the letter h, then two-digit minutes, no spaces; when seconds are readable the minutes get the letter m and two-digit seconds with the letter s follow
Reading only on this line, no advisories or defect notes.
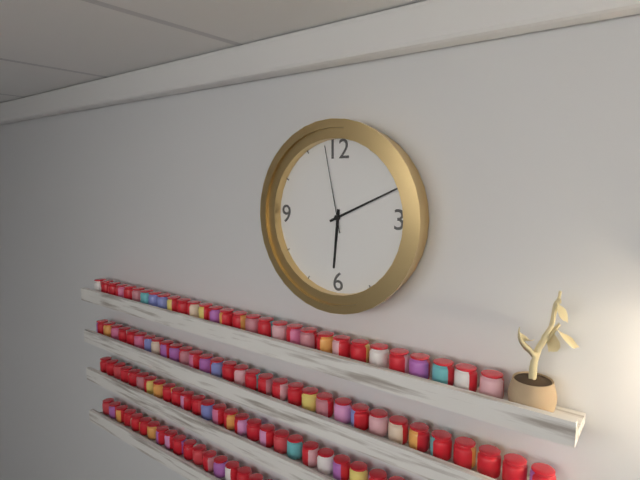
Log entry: 6h11m58s
